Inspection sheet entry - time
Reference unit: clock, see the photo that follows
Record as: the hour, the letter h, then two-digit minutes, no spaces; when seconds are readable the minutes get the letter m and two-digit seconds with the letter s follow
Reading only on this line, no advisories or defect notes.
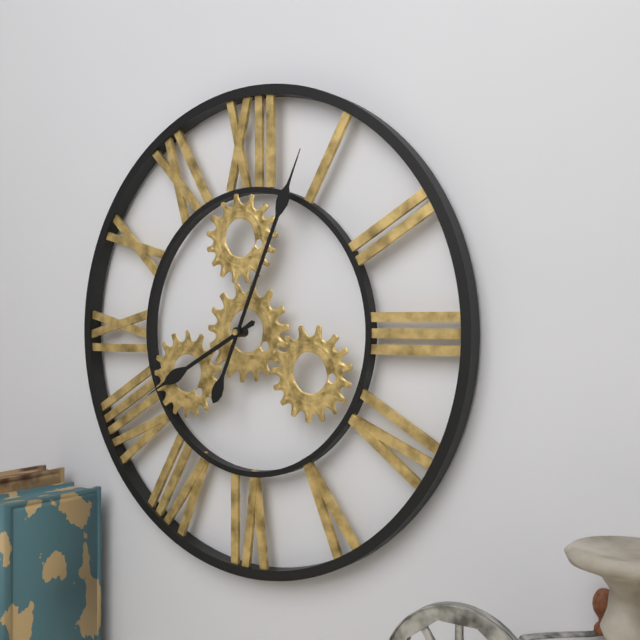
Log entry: 8h04
